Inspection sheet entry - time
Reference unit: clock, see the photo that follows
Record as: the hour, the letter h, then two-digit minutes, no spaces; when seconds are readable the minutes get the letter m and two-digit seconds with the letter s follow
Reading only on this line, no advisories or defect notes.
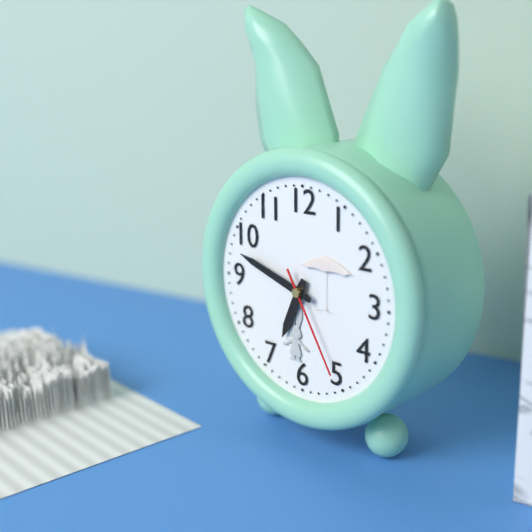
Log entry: 6h48m25s
